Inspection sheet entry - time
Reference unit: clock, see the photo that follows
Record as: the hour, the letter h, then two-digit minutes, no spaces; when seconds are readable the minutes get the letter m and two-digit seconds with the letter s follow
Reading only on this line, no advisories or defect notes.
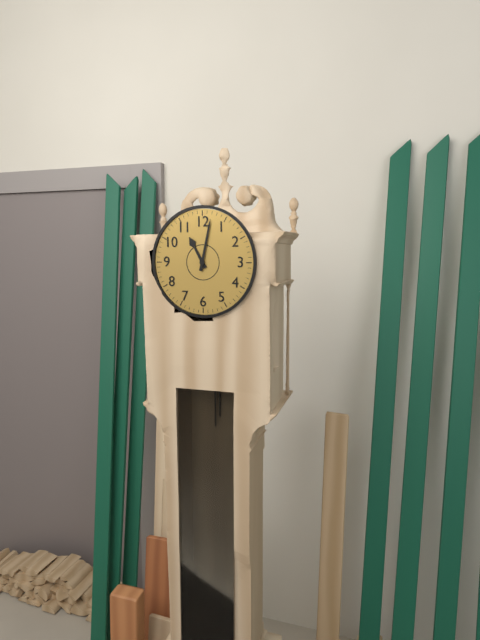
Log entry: 11h02
